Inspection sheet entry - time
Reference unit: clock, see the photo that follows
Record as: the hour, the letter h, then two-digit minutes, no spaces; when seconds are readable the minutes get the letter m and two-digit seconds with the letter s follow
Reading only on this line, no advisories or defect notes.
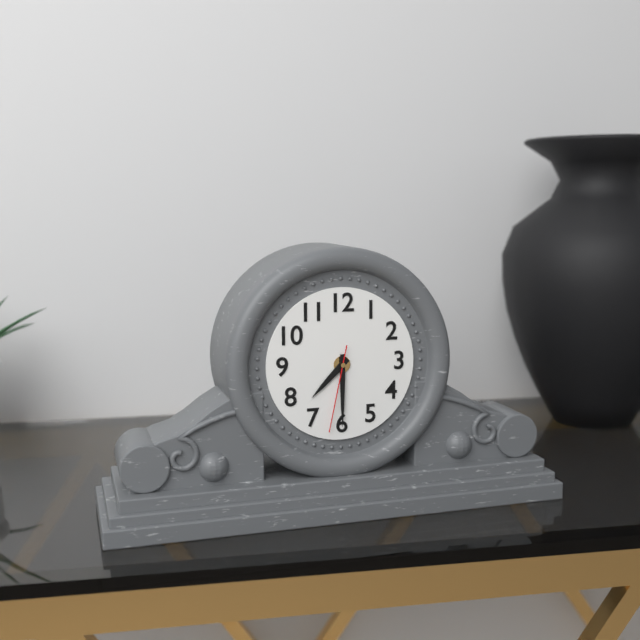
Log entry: 7h30m32s
